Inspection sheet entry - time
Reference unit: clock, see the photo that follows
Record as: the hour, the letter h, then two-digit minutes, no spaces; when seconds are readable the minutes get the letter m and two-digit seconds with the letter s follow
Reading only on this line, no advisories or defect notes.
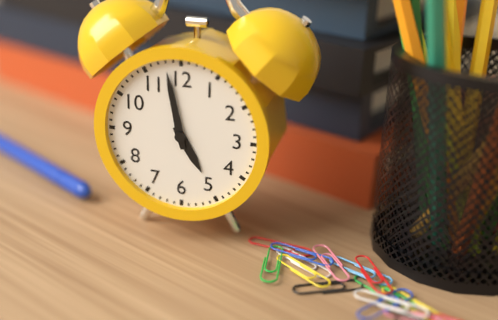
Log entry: 4h58
